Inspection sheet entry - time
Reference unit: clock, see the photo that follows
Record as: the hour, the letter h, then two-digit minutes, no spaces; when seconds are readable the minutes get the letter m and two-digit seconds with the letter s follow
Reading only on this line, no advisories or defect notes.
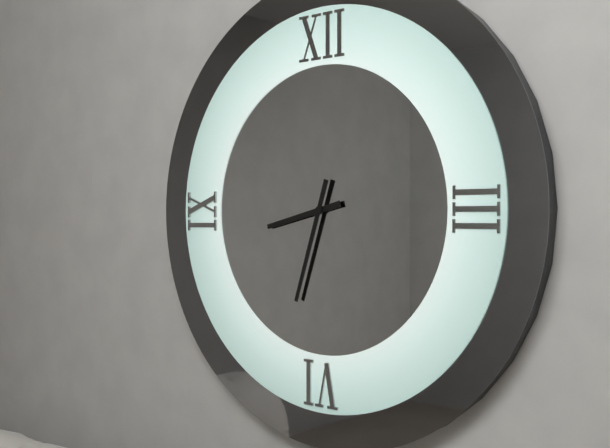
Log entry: 8h33
